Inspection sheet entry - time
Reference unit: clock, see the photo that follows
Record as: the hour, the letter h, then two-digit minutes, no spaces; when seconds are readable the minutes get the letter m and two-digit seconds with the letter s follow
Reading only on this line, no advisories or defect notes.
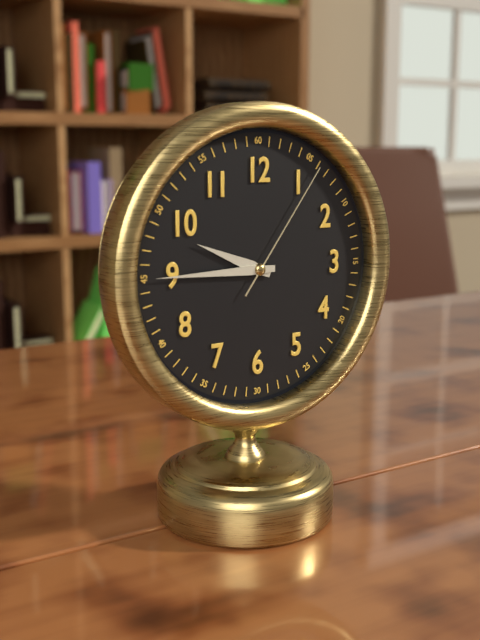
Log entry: 9h45m06s
